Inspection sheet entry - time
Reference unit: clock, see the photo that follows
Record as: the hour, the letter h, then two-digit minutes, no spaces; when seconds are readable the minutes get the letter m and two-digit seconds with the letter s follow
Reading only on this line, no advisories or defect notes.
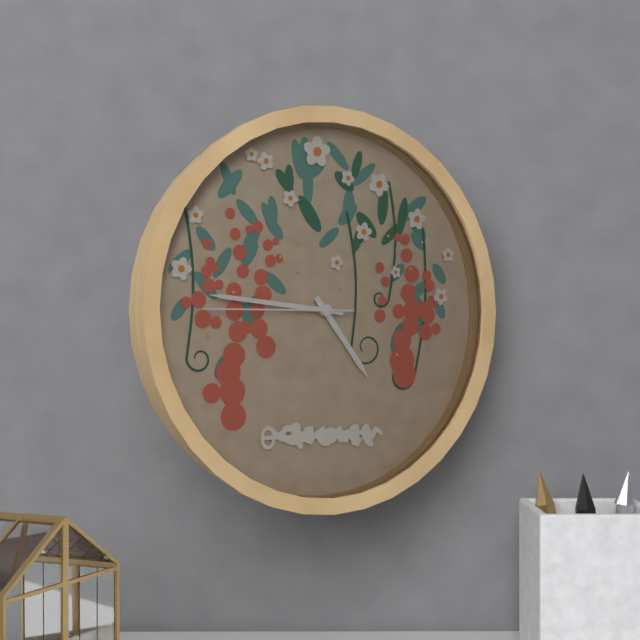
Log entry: 4h46m45s
